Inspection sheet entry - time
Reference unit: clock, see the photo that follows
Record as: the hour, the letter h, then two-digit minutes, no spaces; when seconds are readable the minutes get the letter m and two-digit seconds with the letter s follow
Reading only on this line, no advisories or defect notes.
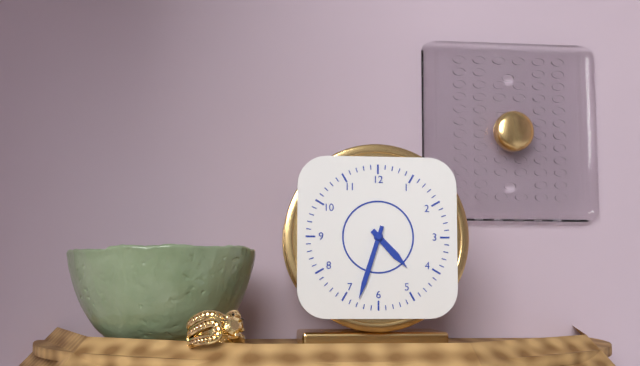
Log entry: 4h33
